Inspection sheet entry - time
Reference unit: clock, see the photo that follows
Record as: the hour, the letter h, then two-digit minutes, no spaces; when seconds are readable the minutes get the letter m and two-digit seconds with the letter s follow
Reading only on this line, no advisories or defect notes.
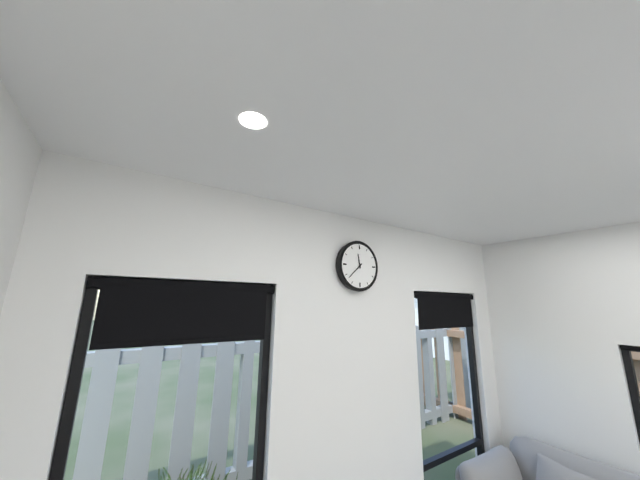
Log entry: 11h38
